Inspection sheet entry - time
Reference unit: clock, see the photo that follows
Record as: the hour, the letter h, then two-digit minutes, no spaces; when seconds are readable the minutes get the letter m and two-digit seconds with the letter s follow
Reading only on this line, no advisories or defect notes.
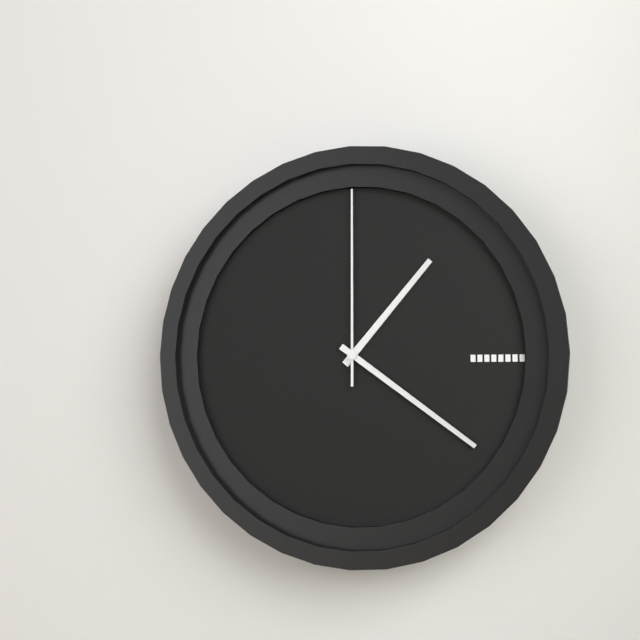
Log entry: 1h21m00s
